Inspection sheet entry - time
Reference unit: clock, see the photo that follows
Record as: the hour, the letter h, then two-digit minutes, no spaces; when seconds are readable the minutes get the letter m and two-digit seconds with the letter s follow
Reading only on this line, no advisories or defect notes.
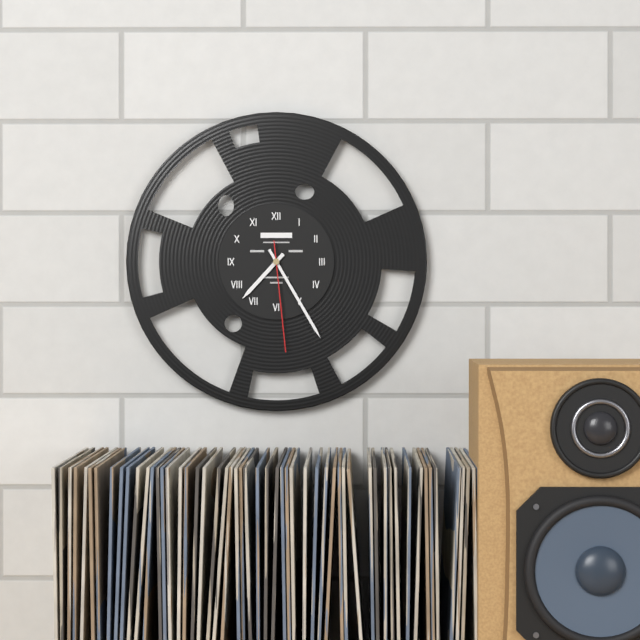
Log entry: 7h25m29s
